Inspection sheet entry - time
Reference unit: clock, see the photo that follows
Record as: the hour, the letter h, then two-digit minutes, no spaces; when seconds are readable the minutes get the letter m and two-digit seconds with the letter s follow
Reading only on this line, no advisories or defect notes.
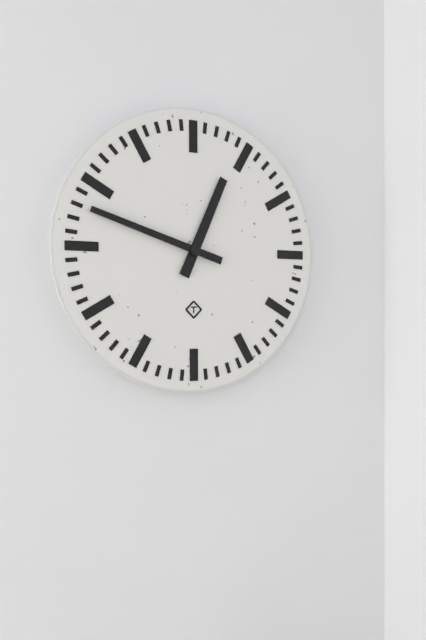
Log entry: 12h48
